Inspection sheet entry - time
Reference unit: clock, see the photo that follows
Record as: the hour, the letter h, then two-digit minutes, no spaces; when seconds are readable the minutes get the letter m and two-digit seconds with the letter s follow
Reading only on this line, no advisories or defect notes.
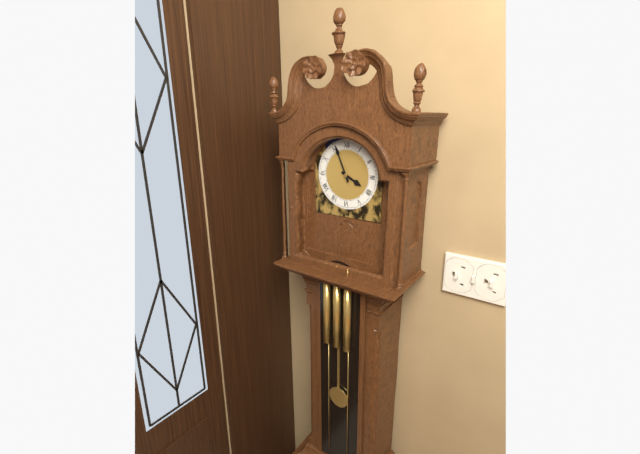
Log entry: 3h56
